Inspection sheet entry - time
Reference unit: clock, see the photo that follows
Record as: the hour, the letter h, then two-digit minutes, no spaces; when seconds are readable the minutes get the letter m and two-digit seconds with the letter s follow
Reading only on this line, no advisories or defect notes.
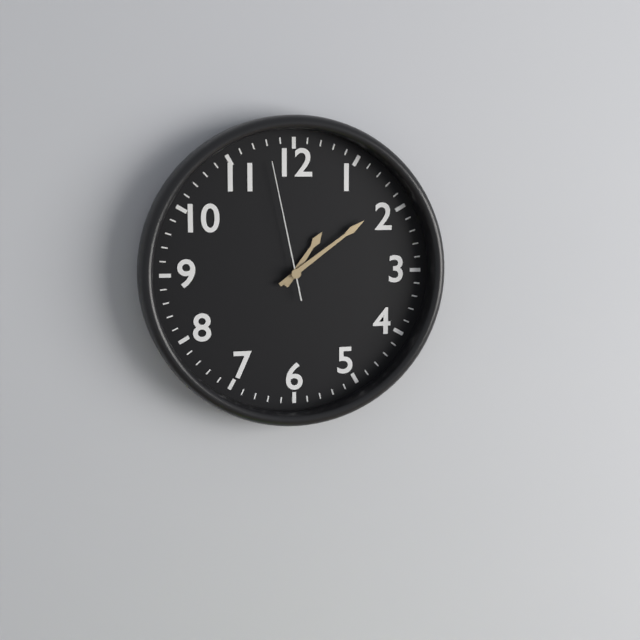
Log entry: 1h09m58s
